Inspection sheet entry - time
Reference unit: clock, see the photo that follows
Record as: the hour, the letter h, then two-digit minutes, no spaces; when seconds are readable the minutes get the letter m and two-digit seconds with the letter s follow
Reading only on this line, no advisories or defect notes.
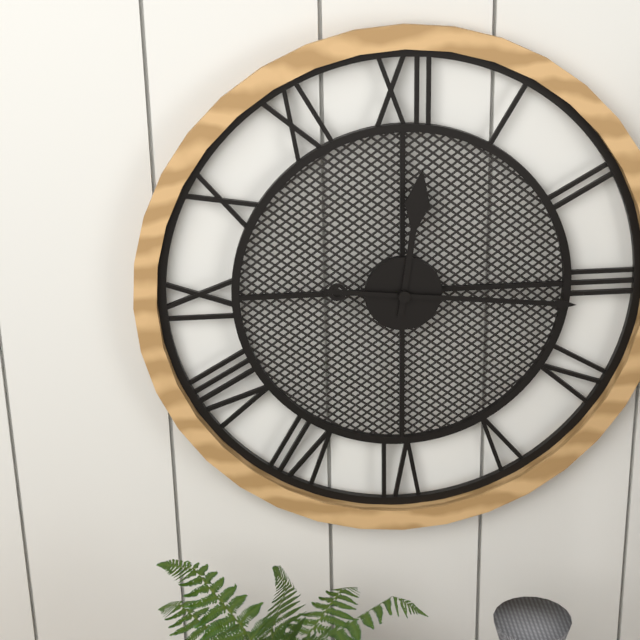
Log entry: 12h16
